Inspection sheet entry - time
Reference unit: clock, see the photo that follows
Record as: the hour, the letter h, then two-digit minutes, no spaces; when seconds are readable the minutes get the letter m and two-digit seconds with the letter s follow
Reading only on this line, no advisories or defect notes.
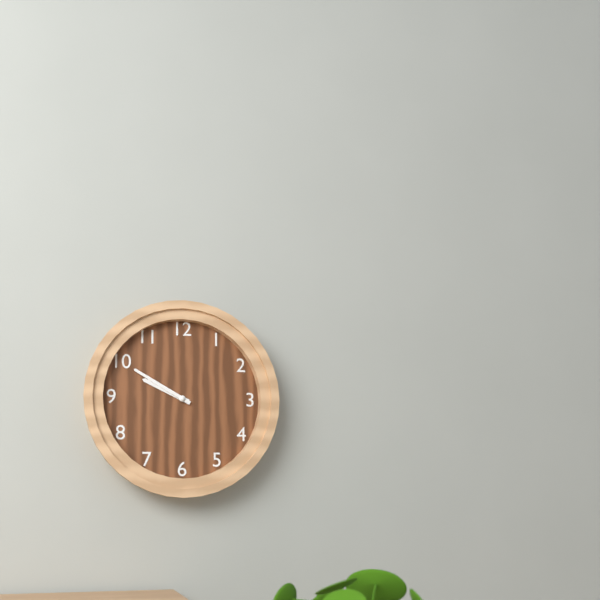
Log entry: 9h50
